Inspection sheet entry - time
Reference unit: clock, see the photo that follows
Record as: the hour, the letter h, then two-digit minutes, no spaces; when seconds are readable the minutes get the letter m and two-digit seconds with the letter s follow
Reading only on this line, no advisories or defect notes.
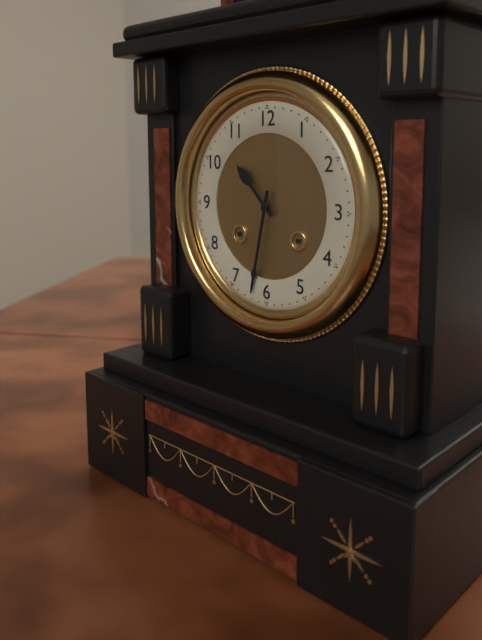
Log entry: 10h32
